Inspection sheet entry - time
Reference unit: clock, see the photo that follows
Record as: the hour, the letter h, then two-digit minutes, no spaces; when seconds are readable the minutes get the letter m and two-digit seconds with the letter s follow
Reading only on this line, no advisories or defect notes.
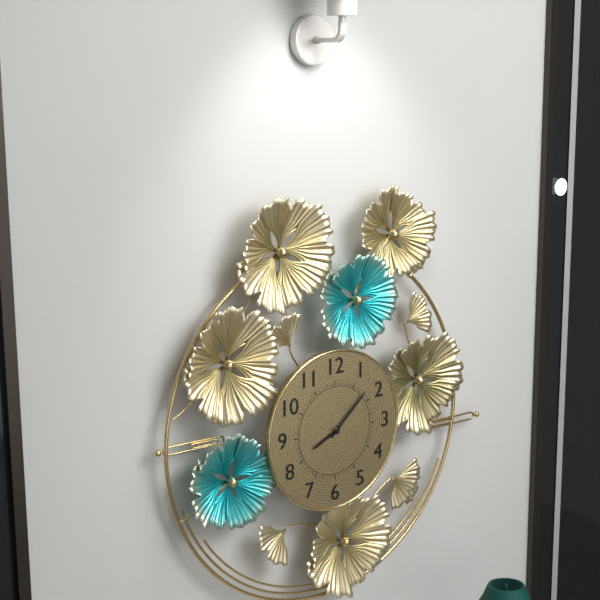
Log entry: 8h08
